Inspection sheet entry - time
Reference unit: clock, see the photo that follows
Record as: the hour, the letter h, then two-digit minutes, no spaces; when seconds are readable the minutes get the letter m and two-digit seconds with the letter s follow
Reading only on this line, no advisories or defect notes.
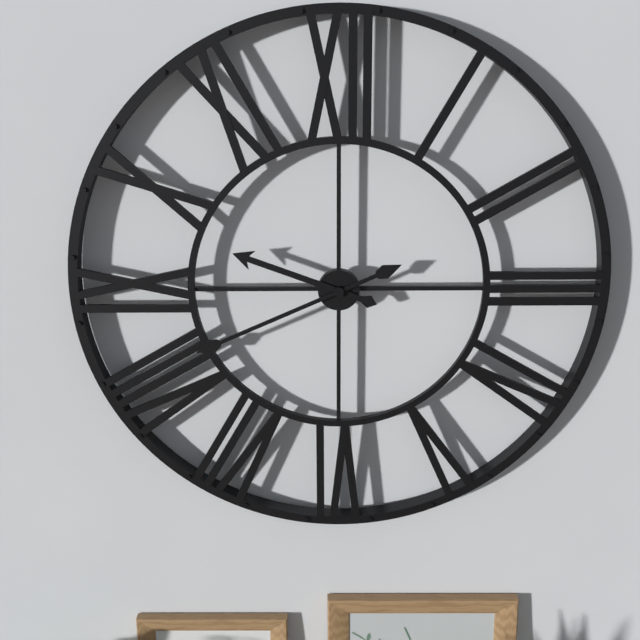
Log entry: 9h41
